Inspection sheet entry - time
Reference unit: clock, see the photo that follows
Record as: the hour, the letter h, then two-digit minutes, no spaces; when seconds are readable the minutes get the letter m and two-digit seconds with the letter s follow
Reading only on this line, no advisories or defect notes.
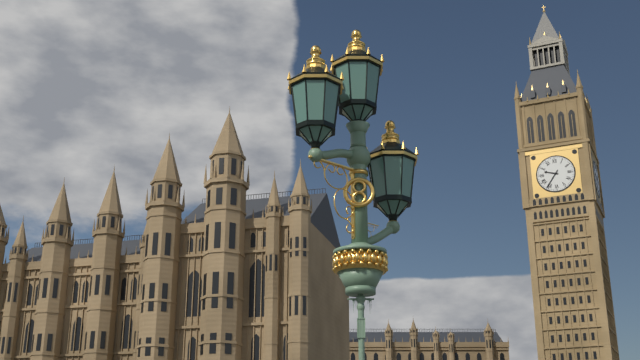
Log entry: 9h36
